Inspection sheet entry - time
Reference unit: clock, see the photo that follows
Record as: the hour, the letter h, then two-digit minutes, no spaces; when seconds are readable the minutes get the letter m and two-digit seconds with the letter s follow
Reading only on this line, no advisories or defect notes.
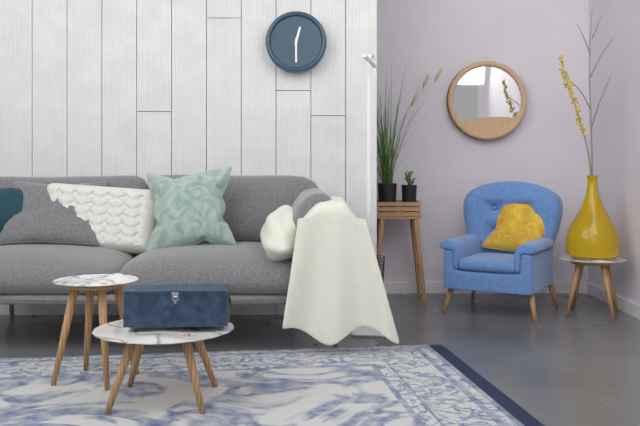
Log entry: 12h30
